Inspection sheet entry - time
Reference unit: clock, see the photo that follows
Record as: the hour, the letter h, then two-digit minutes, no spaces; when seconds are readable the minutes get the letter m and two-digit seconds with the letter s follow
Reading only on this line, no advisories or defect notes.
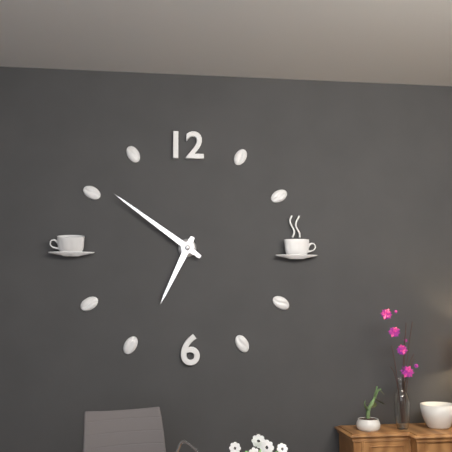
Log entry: 6h51
